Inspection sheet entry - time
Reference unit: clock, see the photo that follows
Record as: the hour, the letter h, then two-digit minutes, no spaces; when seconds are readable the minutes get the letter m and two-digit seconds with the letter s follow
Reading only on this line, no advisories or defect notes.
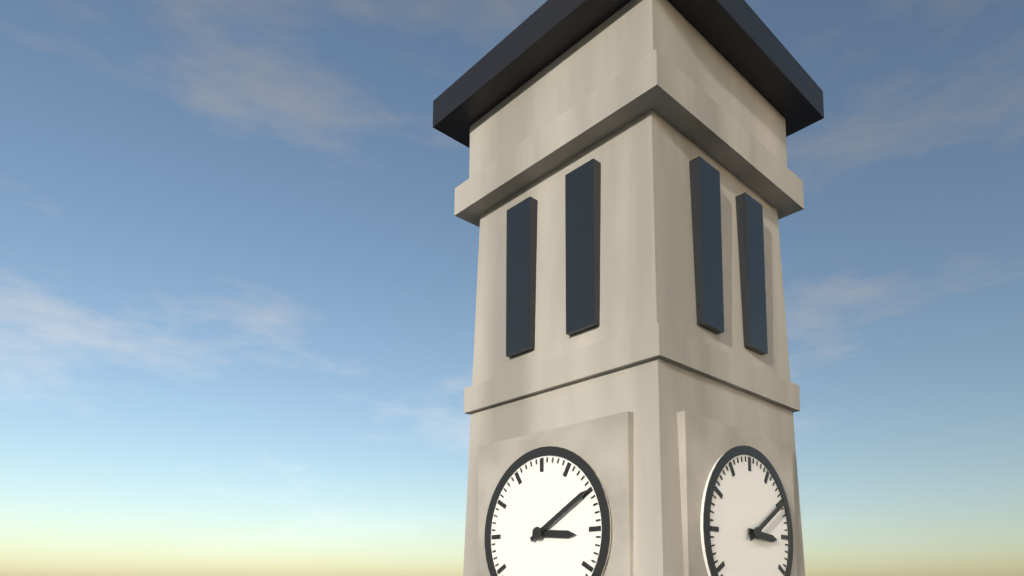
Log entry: 3h10
